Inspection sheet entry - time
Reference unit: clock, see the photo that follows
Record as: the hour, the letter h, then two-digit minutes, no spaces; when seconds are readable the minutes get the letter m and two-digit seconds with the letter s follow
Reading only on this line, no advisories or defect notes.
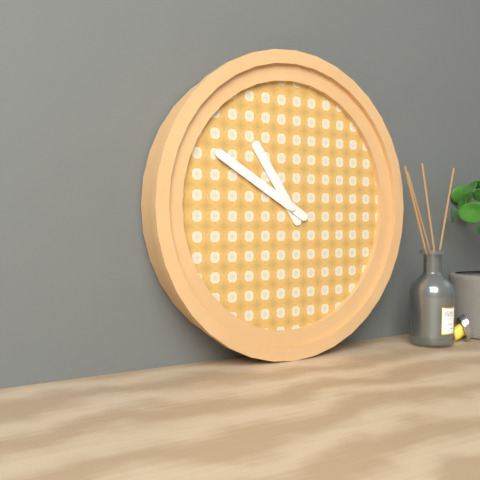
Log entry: 10h50
